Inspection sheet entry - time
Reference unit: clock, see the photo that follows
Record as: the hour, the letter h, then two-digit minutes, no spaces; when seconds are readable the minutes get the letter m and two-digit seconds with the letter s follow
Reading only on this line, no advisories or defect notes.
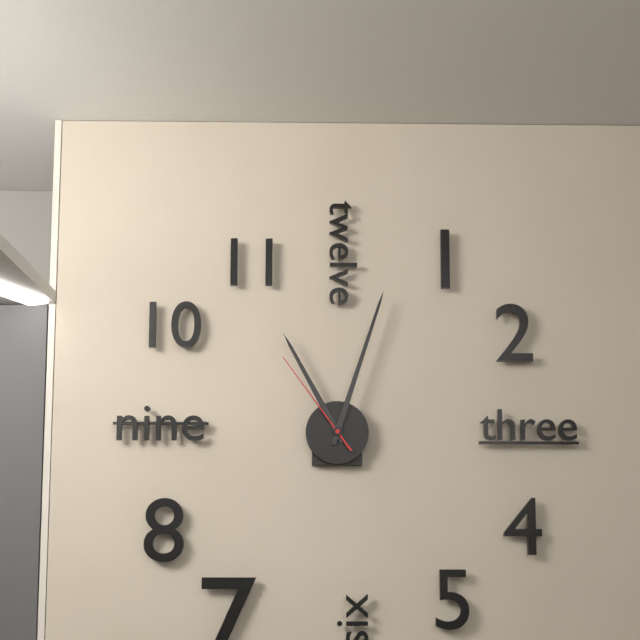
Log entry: 11h03m54s
